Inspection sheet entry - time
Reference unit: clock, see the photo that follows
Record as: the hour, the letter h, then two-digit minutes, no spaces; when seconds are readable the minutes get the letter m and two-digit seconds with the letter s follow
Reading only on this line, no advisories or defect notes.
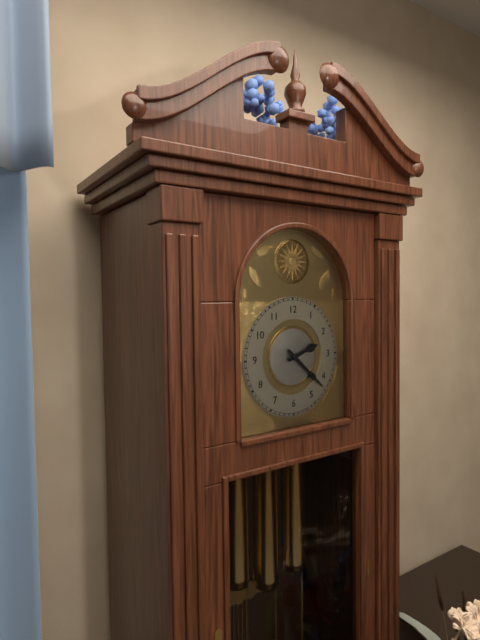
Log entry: 2h22
